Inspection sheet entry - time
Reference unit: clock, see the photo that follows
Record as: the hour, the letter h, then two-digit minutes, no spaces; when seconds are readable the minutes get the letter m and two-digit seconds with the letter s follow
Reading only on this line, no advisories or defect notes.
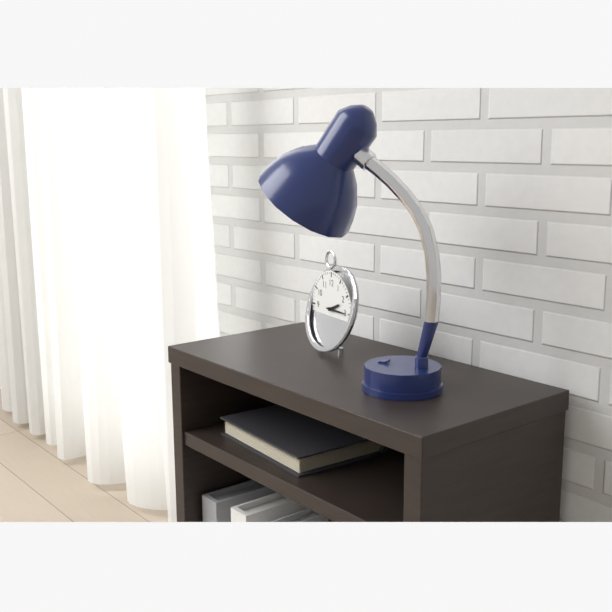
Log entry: 2h15
